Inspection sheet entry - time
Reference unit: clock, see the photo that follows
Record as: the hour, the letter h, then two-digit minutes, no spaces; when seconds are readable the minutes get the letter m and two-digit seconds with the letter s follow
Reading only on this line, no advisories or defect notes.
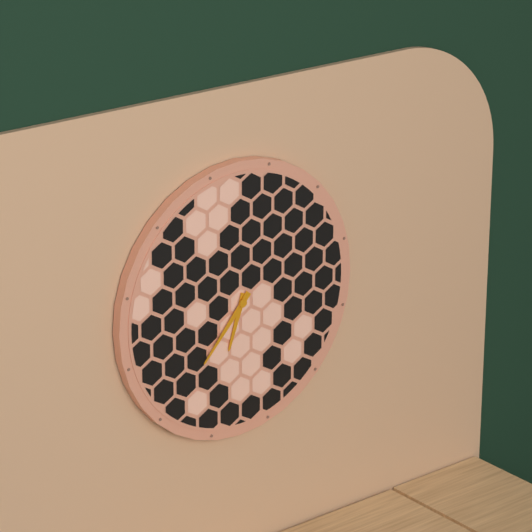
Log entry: 6h37
